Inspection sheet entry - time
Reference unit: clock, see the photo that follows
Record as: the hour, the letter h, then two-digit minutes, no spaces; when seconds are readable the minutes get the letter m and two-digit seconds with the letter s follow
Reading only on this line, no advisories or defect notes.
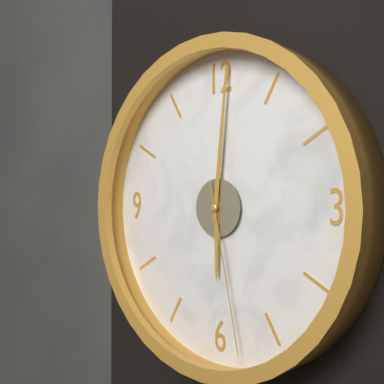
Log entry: 6h01m28s
